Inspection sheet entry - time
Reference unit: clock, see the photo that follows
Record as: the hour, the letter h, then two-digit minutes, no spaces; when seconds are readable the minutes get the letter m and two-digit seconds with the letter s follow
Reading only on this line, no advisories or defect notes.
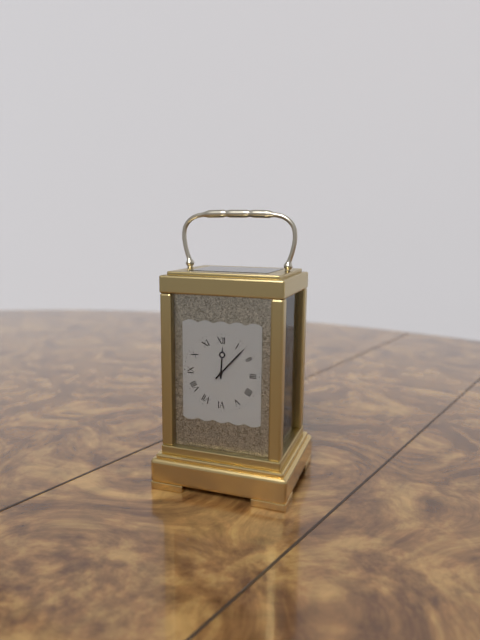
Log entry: 12h07
